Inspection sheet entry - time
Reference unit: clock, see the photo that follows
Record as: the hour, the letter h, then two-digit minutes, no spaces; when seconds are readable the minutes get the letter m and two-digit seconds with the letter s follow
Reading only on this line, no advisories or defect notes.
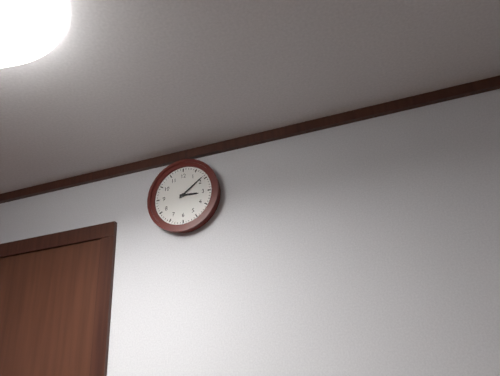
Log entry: 3h09
